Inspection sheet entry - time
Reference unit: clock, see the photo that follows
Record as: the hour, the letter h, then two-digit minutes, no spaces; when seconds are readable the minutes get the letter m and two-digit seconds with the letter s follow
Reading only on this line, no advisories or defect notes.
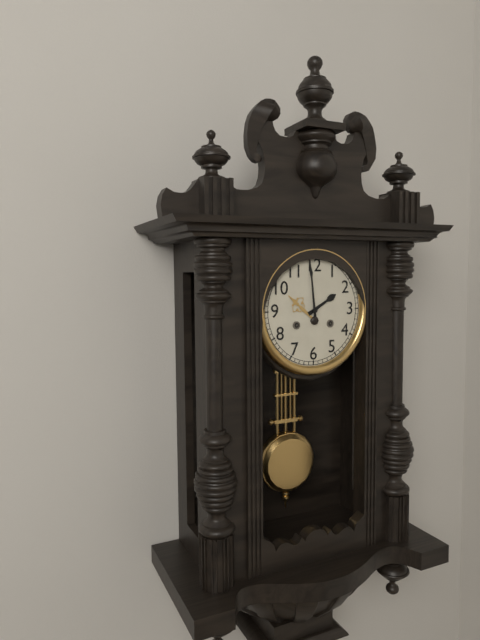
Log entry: 1h59
